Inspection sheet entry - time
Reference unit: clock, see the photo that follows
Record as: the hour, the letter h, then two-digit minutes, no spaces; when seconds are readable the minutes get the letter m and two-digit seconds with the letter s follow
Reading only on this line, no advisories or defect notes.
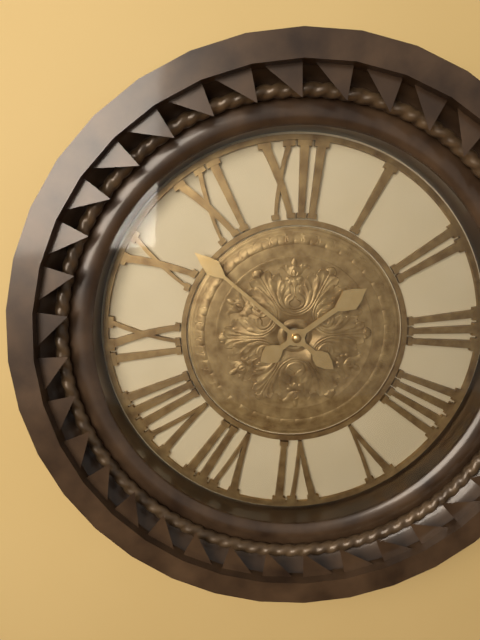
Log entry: 1h52
